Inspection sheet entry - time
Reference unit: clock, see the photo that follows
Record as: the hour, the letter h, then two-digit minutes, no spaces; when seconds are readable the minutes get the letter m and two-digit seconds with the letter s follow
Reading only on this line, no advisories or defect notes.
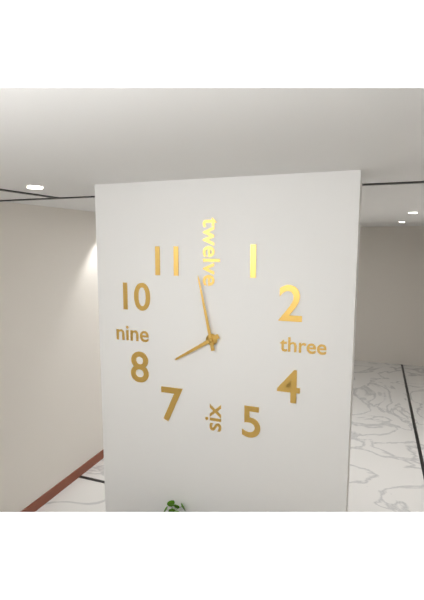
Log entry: 7h58
